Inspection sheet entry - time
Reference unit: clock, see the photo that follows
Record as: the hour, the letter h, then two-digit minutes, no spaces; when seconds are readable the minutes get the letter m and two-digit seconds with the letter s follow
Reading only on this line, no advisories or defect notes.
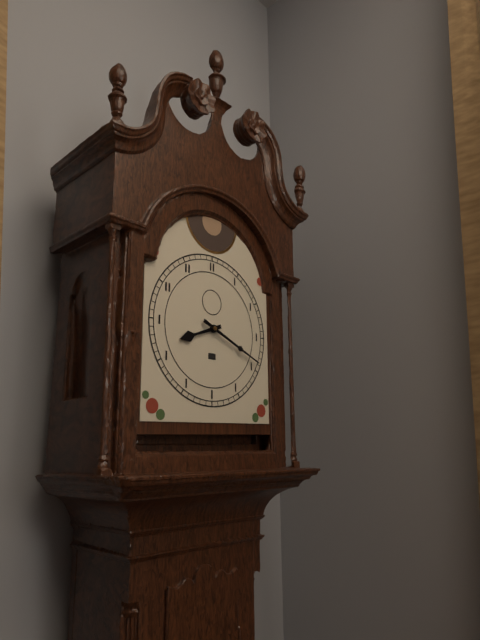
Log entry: 8h19
